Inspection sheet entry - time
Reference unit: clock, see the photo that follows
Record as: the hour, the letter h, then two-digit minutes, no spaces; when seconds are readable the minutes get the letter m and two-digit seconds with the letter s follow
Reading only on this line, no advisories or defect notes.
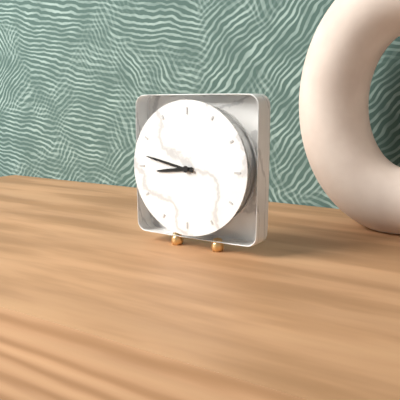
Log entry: 8h47
